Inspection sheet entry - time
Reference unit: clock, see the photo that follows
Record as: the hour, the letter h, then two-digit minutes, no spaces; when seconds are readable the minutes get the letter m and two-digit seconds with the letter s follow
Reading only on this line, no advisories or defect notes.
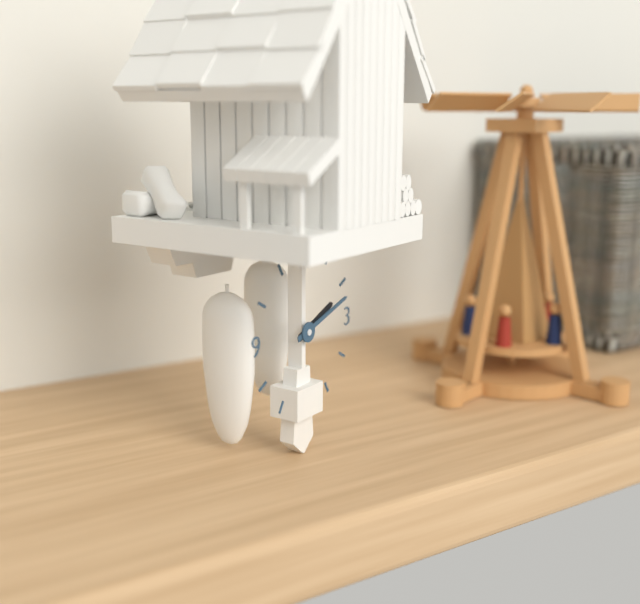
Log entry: 2h12
